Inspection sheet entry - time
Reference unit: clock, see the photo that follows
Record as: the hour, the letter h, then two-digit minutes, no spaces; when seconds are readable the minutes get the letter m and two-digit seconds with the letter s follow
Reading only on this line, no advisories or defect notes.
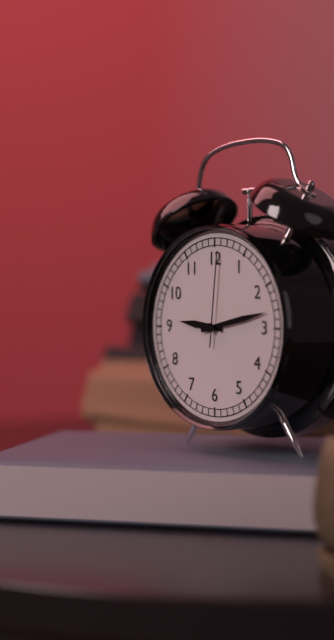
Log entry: 9h13m01s
